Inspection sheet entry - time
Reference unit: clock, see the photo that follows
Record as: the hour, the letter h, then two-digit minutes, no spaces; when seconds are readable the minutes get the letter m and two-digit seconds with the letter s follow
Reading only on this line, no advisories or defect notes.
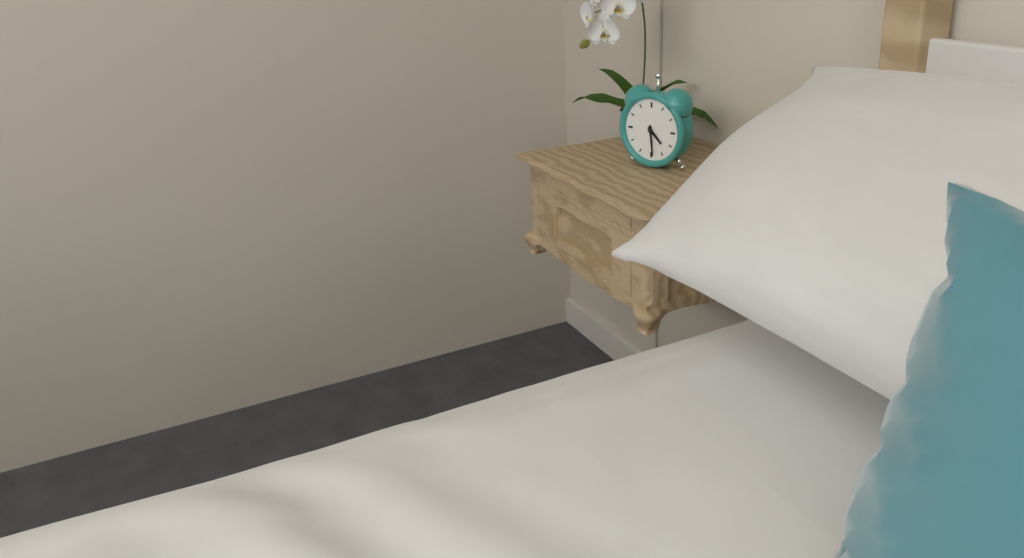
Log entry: 4h29
